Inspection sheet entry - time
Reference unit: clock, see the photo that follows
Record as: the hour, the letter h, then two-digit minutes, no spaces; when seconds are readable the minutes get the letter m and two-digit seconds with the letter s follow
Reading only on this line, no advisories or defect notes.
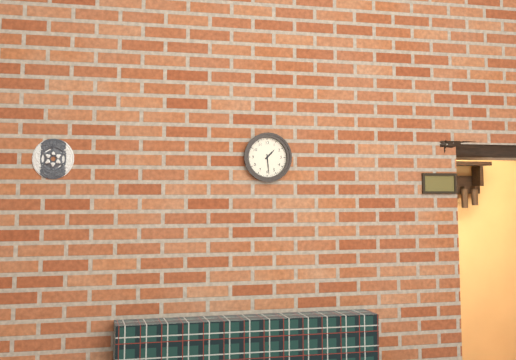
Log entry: 1h29
